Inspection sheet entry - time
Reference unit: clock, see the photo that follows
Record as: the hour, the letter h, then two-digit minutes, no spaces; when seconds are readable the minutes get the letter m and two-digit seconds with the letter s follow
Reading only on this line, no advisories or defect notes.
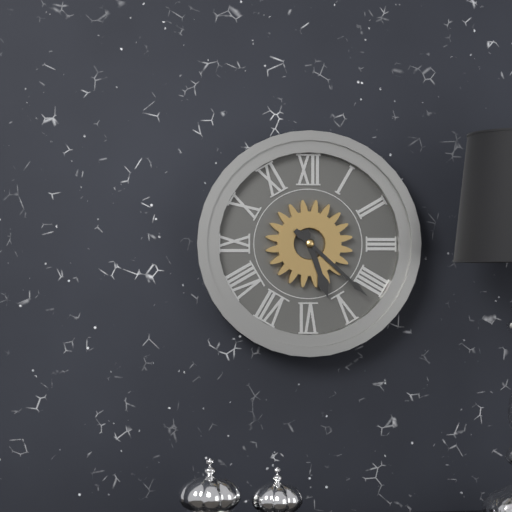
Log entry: 5h22
